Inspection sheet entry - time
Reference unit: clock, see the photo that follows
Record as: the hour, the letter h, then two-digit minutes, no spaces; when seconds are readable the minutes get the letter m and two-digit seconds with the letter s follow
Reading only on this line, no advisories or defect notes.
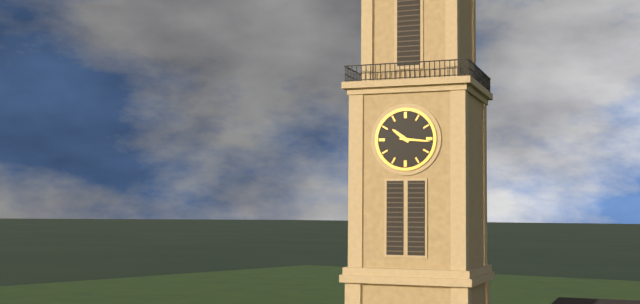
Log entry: 10h16
